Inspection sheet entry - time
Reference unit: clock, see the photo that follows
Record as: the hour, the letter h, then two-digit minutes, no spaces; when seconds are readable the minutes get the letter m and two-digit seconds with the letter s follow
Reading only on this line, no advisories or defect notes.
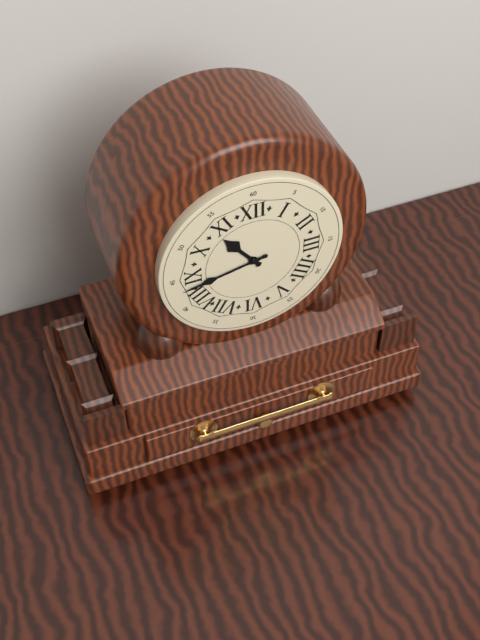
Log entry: 10h43
